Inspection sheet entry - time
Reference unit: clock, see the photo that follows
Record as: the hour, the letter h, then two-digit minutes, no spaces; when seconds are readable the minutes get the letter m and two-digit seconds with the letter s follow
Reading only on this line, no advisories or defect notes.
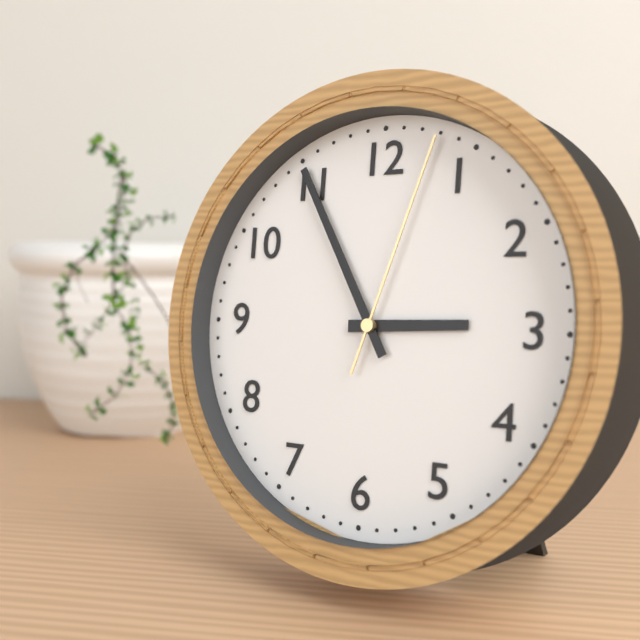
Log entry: 2h55m03s
